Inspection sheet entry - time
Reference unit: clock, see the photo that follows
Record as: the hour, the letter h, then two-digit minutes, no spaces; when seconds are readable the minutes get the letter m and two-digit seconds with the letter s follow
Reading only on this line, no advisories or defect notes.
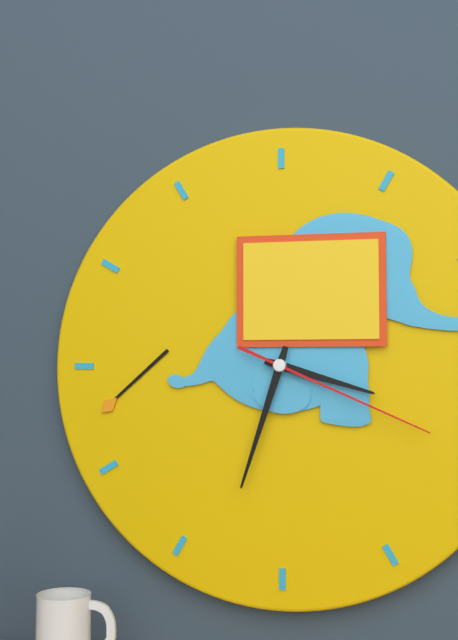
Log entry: 3h33m19s
